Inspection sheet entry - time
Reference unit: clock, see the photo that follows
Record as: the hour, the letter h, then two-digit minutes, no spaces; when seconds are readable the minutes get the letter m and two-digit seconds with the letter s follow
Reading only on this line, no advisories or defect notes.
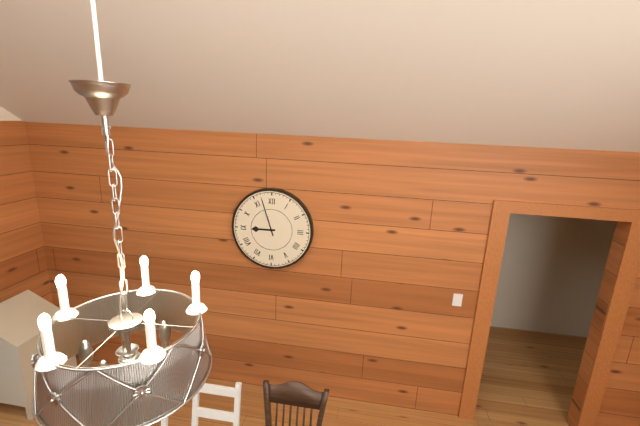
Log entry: 8h57
